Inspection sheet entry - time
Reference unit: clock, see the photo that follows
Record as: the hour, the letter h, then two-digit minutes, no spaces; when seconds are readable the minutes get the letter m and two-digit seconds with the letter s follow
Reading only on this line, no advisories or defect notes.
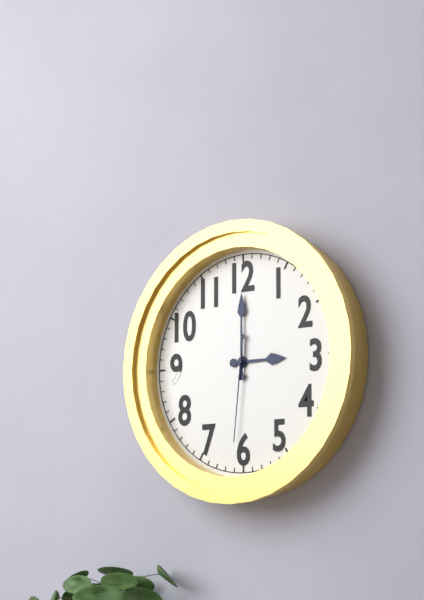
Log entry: 3h00m31s
